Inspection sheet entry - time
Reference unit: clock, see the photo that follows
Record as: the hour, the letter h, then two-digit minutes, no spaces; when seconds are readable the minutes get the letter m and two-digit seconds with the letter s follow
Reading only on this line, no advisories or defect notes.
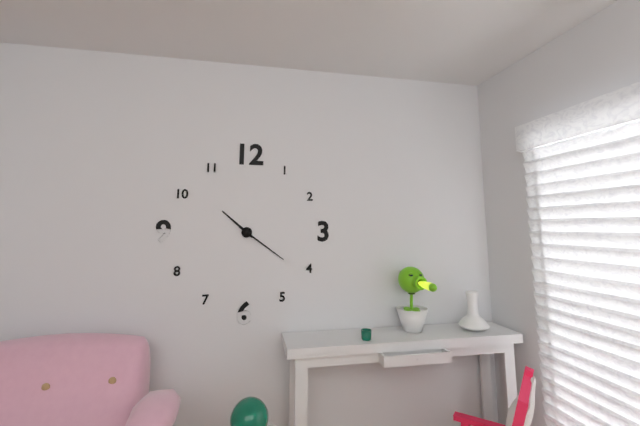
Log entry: 10h21
